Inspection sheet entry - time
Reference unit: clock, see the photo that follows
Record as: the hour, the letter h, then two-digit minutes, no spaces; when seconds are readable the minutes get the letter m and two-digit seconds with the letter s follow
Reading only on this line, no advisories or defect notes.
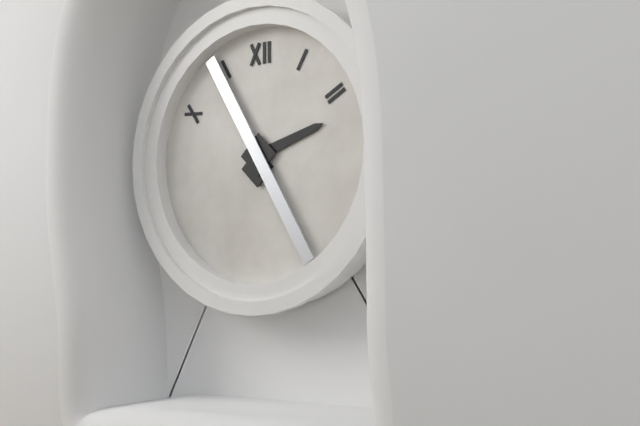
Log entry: 2h25
